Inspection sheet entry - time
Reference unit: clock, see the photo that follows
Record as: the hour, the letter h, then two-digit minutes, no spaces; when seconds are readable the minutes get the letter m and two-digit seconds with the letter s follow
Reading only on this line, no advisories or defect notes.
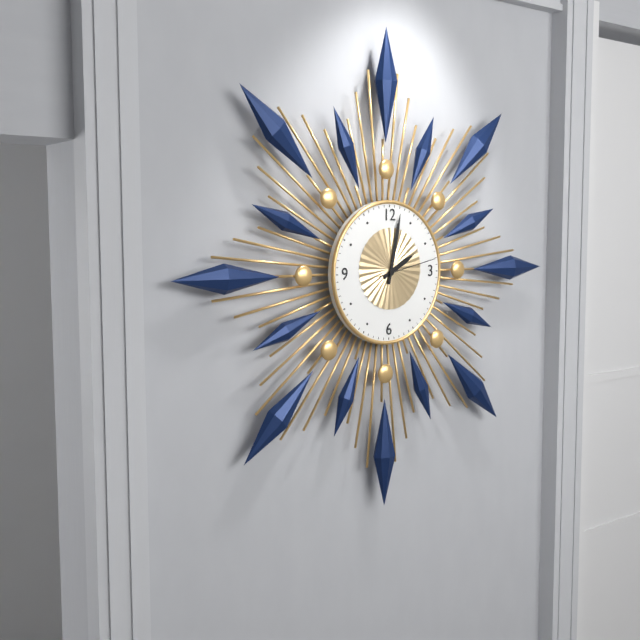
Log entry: 2h02m13s
